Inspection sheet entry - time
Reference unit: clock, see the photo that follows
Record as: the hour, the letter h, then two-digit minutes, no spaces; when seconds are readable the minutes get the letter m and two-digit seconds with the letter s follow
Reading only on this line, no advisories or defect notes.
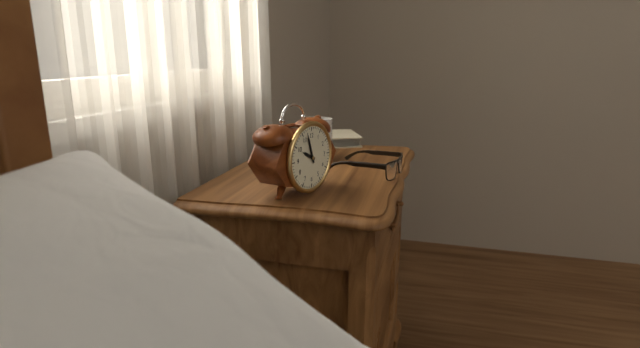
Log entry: 9h57
